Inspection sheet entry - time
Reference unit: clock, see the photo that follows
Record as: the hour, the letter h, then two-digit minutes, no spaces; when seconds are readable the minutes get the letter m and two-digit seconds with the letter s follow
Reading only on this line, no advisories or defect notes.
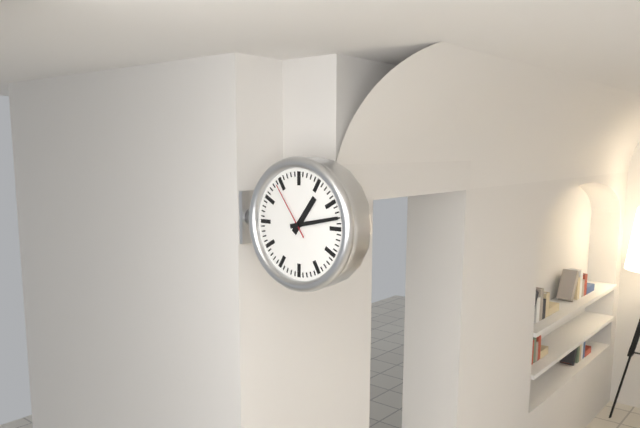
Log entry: 1h13m54s
